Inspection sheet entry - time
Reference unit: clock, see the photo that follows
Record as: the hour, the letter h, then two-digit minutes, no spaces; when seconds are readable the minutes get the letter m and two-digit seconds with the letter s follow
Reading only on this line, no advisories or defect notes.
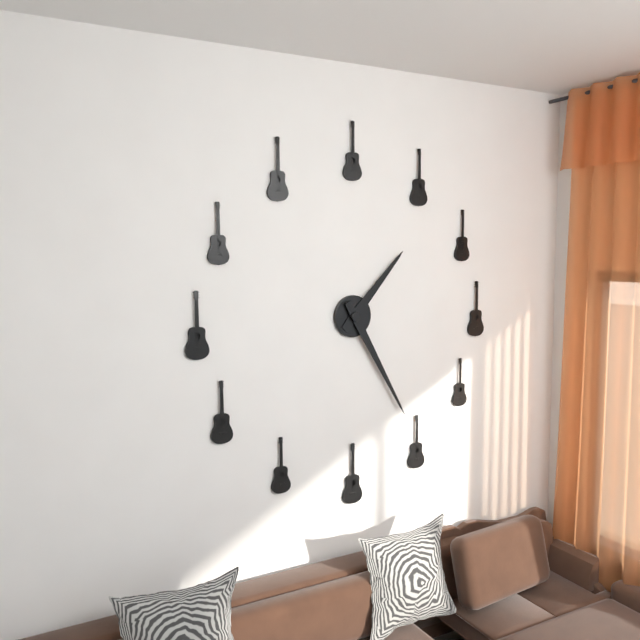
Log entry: 1h25
